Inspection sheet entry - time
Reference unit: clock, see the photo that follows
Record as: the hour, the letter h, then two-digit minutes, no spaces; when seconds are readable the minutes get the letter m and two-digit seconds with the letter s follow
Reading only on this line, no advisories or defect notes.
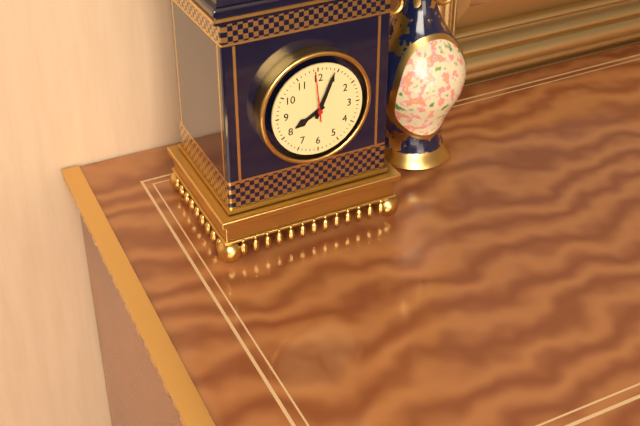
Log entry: 8h04m59s
